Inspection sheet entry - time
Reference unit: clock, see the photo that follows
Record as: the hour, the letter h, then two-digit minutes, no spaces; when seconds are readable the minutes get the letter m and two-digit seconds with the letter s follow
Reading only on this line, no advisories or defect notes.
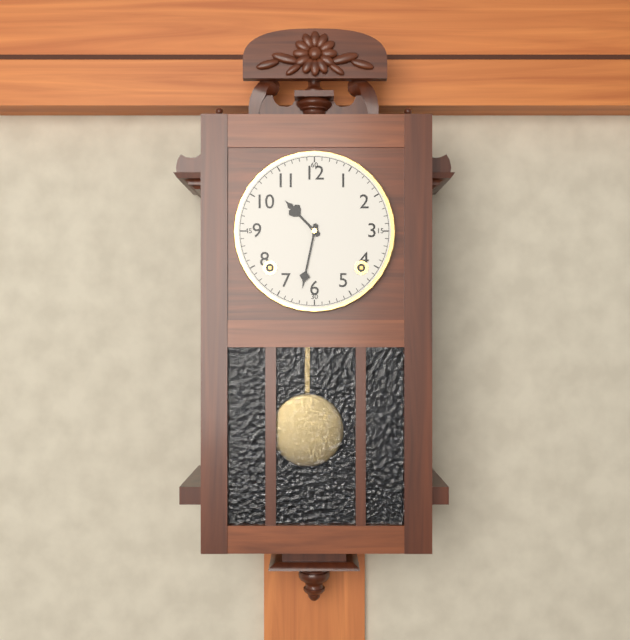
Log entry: 10h32
